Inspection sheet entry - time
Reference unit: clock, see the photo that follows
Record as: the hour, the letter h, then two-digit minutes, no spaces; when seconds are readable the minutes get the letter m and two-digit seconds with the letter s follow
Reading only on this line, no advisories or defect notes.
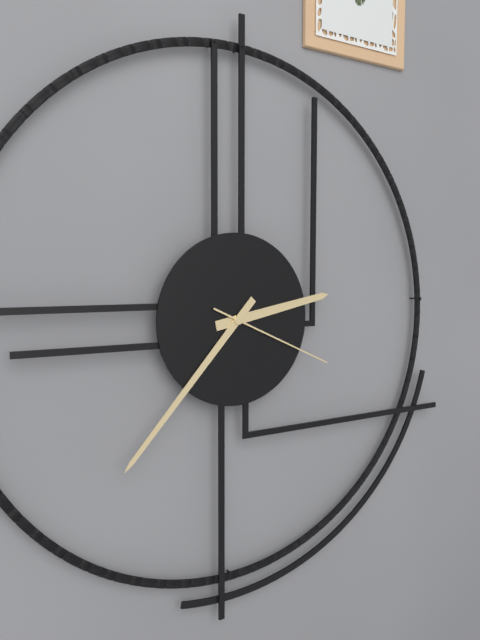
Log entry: 2h37m19s
